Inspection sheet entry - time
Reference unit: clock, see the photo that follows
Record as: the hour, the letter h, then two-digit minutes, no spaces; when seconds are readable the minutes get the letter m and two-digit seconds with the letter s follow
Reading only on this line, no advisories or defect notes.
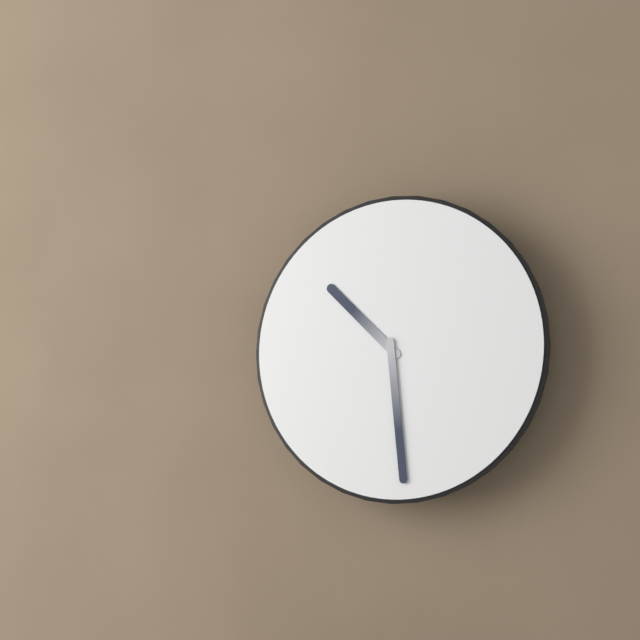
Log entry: 10h29
